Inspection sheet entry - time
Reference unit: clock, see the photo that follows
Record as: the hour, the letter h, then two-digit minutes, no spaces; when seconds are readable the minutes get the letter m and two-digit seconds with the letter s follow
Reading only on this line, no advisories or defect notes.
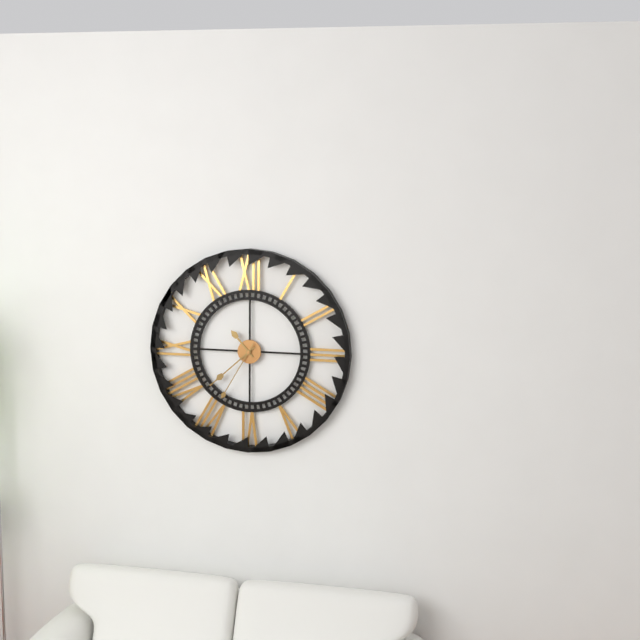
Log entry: 10h38m35s
